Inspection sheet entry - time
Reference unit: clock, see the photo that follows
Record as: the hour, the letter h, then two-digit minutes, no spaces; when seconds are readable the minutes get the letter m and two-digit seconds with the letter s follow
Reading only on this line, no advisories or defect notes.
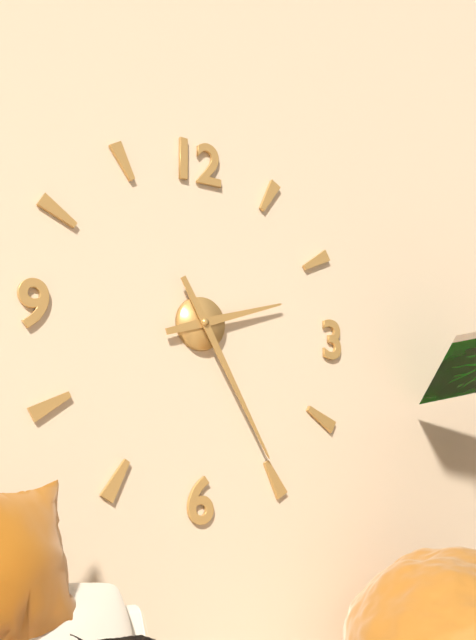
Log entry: 2h25
